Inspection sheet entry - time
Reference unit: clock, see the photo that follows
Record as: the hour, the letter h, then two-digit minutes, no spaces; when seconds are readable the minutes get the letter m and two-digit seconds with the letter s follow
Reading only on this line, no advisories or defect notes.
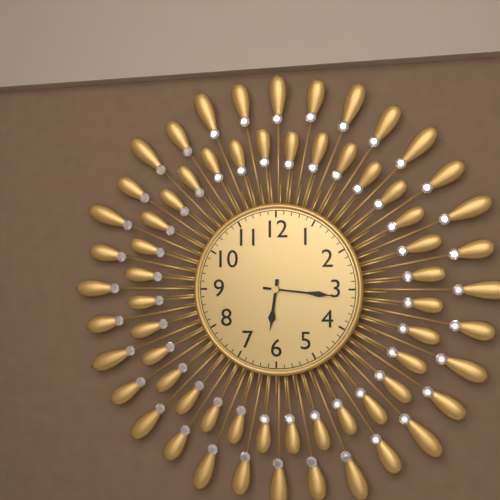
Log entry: 6h16
